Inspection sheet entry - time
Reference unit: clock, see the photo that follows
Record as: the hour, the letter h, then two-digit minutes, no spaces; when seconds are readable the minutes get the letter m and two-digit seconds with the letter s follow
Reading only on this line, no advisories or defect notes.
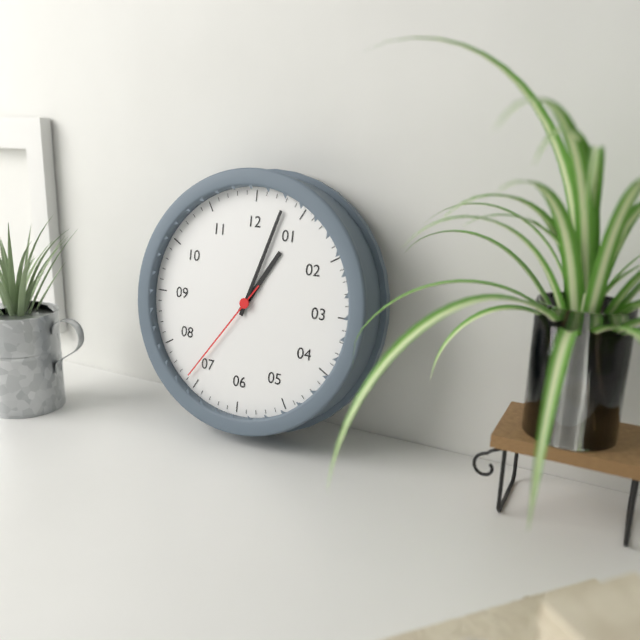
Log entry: 1h03m36s
